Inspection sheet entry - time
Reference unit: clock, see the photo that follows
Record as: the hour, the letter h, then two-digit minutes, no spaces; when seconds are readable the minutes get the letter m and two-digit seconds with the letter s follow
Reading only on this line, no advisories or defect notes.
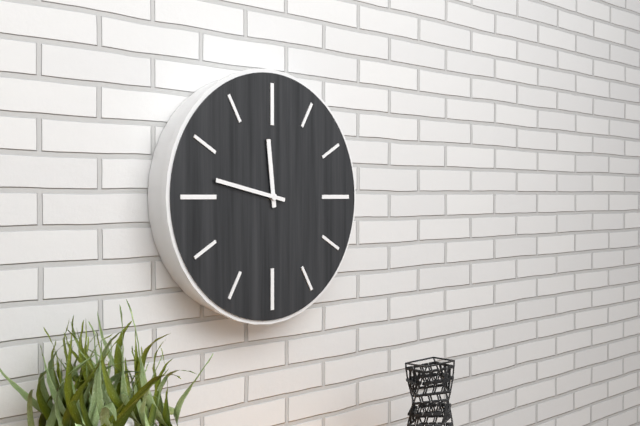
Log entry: 11h47
